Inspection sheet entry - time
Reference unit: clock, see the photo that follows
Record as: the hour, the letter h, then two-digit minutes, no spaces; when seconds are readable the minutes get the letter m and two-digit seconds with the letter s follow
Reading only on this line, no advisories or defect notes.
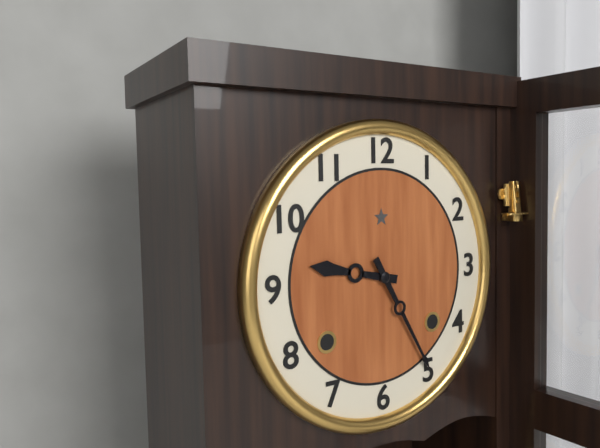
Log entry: 9h25
